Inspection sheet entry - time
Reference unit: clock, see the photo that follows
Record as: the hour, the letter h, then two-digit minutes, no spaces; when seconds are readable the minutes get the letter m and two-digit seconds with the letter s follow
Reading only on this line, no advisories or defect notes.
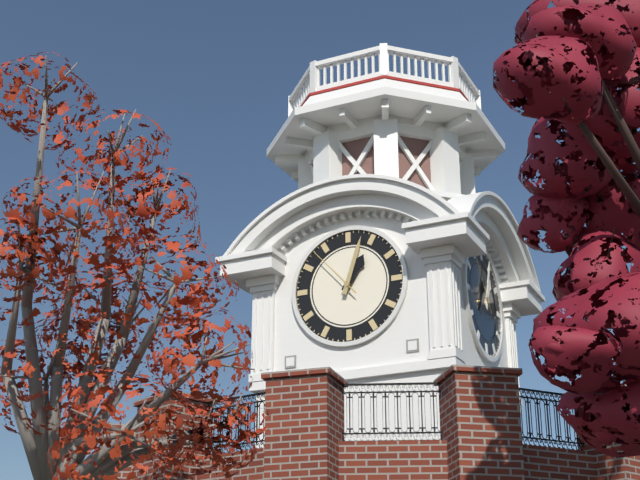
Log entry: 1h03m53s
